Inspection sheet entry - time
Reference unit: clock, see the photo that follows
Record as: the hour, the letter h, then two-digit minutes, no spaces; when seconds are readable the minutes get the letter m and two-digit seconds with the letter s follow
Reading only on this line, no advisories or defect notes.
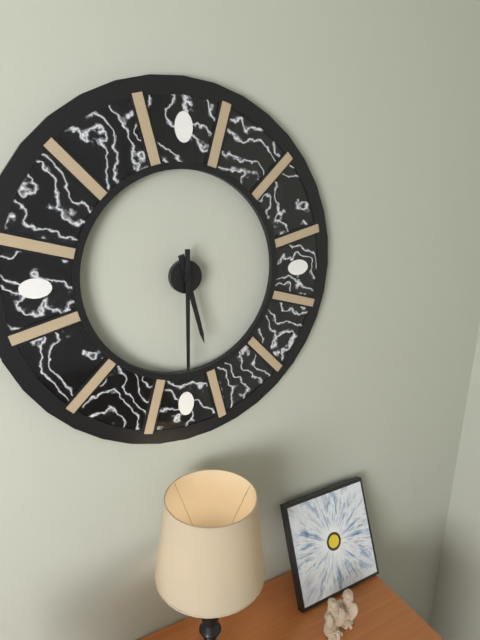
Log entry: 5h30
